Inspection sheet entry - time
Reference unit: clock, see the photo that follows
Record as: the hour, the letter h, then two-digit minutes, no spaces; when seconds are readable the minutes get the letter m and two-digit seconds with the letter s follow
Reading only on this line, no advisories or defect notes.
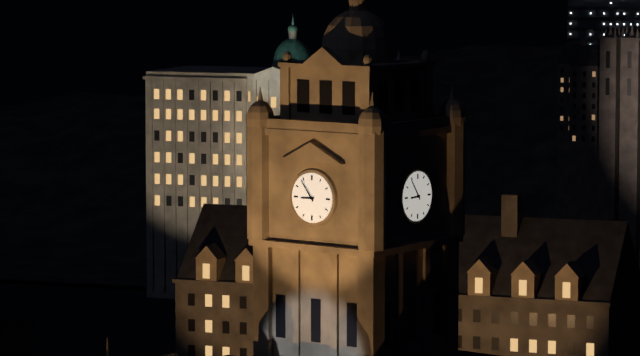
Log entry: 8h54
